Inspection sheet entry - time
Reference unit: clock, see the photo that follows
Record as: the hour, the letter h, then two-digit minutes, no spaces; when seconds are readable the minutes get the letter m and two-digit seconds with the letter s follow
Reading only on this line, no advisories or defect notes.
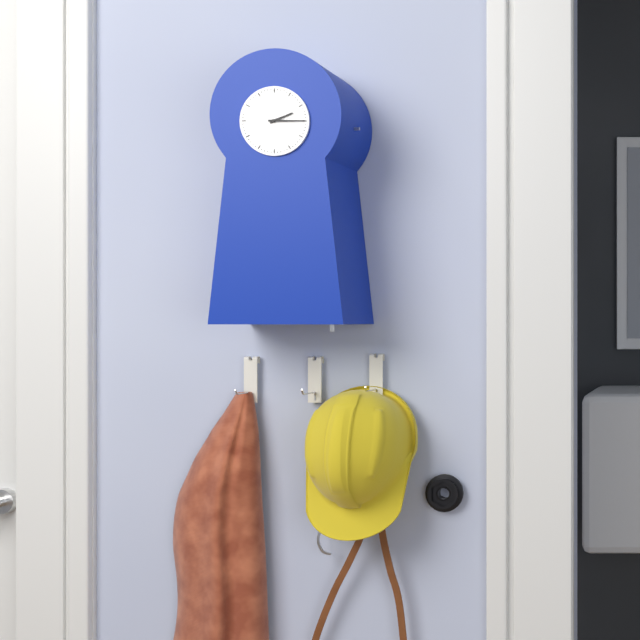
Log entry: 2h15
